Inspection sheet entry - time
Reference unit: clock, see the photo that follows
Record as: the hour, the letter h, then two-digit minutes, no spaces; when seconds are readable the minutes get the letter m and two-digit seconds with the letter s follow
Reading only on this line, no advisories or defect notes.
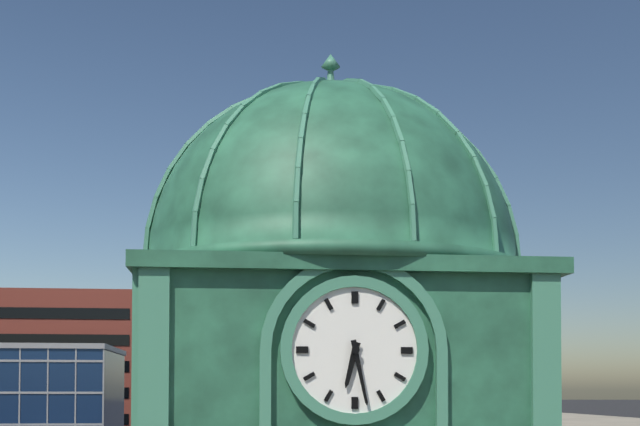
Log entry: 6h28
